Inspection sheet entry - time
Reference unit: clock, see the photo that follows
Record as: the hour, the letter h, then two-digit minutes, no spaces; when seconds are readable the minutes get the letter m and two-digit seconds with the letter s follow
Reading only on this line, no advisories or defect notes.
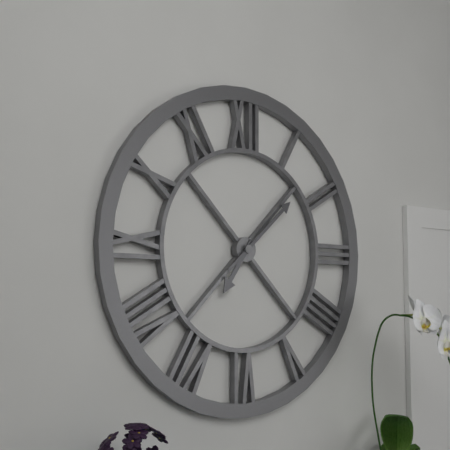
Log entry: 7h08
